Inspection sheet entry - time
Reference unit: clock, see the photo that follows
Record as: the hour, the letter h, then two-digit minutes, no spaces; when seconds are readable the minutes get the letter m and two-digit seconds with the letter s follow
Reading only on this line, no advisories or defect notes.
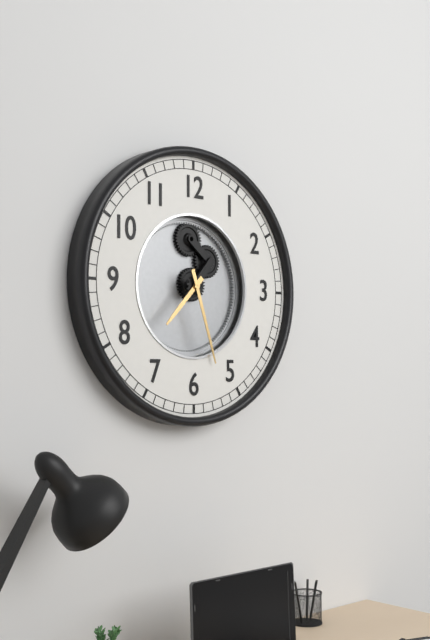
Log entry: 7h27
